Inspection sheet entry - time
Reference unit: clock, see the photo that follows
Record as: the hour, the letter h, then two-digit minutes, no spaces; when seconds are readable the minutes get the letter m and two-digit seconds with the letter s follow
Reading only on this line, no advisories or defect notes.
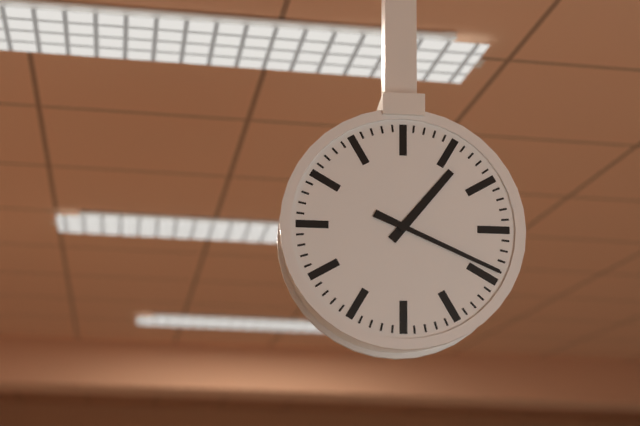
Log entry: 1h19
